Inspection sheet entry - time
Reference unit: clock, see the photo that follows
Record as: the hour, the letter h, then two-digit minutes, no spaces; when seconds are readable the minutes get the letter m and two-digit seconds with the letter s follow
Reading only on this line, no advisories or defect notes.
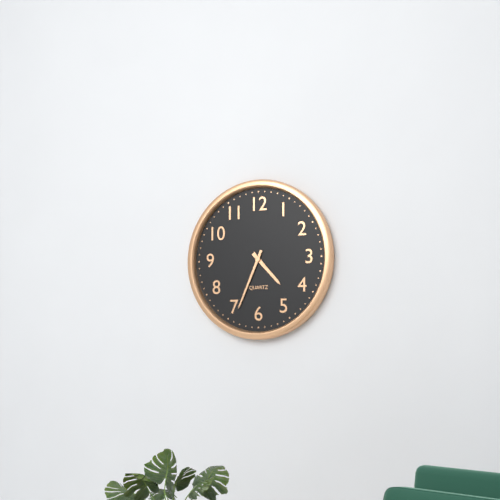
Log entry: 4h34
